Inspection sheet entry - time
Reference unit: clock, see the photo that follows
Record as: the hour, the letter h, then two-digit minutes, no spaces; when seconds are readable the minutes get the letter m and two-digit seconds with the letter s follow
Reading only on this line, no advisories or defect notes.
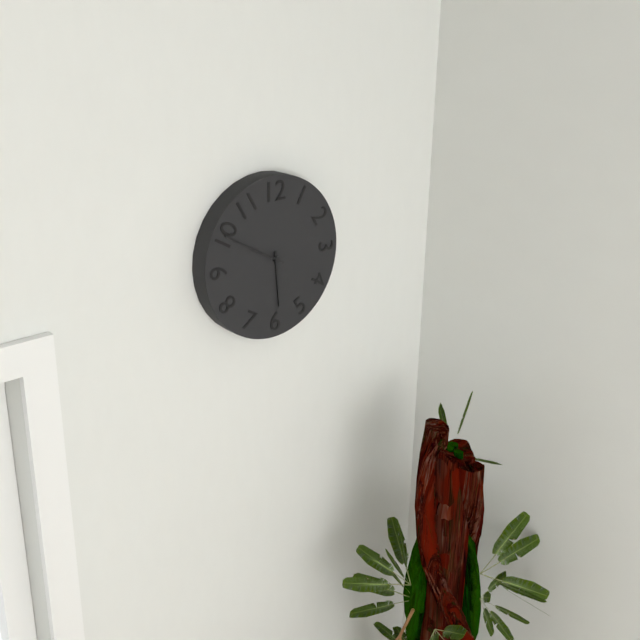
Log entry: 5h50
